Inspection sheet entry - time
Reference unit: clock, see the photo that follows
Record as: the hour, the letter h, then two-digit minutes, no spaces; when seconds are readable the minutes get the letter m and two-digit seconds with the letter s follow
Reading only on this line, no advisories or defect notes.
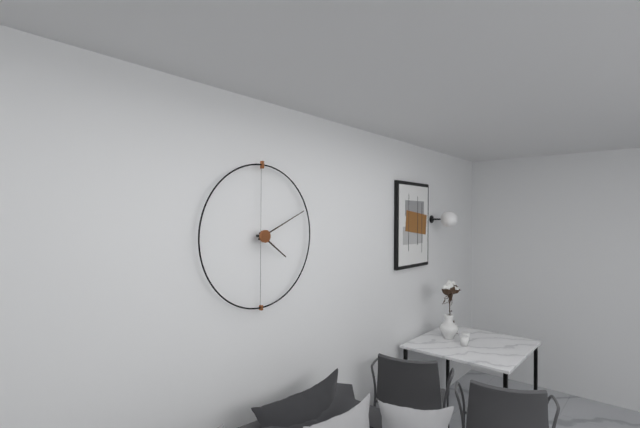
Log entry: 4h11
